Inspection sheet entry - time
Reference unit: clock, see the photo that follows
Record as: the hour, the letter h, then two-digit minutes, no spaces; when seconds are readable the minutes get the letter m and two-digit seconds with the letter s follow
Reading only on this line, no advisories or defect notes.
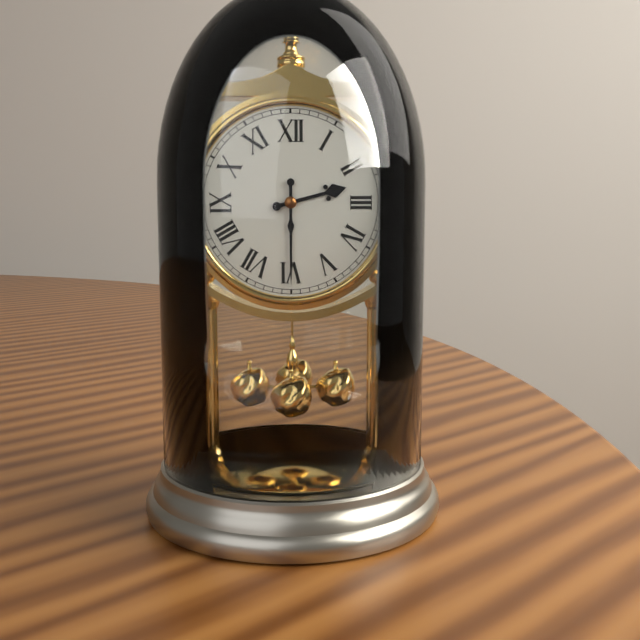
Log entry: 2h30
